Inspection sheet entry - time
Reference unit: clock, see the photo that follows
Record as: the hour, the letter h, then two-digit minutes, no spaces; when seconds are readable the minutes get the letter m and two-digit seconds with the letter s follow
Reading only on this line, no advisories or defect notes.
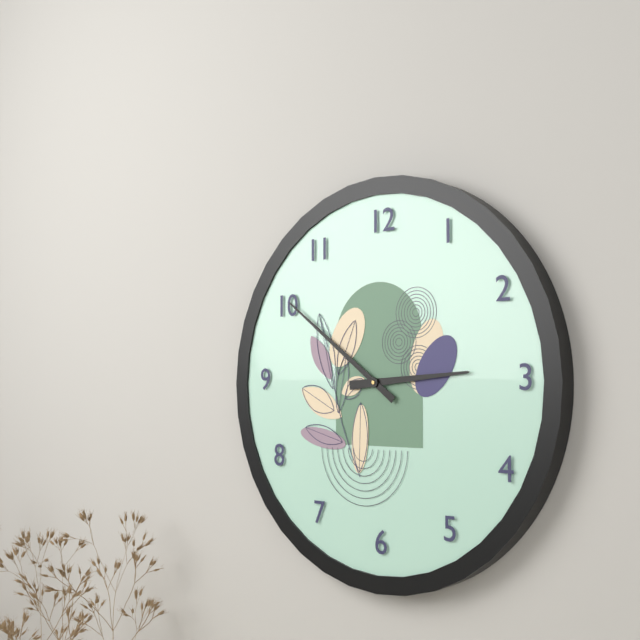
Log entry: 2h51
